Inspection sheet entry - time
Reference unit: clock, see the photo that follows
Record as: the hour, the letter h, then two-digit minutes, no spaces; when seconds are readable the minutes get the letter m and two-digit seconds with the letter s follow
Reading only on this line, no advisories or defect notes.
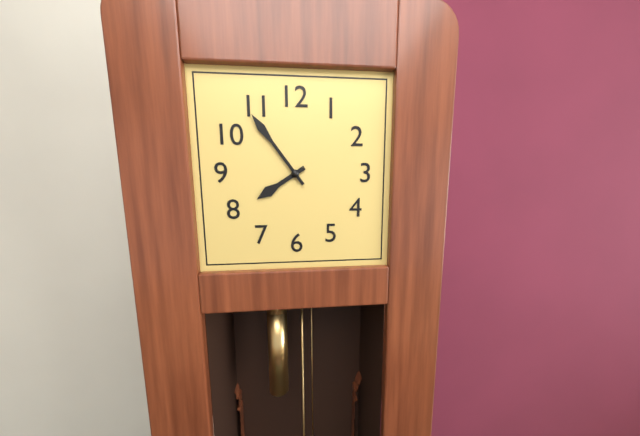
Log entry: 7h54
